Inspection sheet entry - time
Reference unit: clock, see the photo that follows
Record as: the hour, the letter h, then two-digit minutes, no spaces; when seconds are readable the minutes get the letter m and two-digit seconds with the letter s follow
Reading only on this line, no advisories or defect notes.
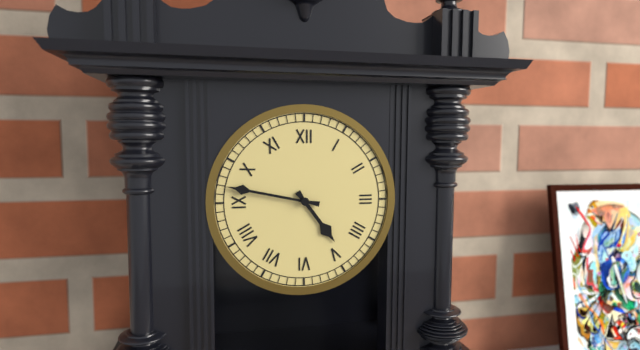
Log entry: 4h47
